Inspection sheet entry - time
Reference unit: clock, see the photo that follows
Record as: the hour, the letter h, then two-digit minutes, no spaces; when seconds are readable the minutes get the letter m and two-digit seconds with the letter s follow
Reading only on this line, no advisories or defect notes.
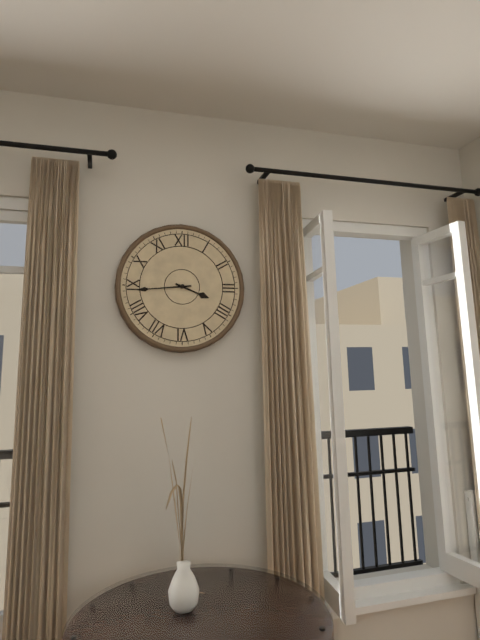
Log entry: 3h44
